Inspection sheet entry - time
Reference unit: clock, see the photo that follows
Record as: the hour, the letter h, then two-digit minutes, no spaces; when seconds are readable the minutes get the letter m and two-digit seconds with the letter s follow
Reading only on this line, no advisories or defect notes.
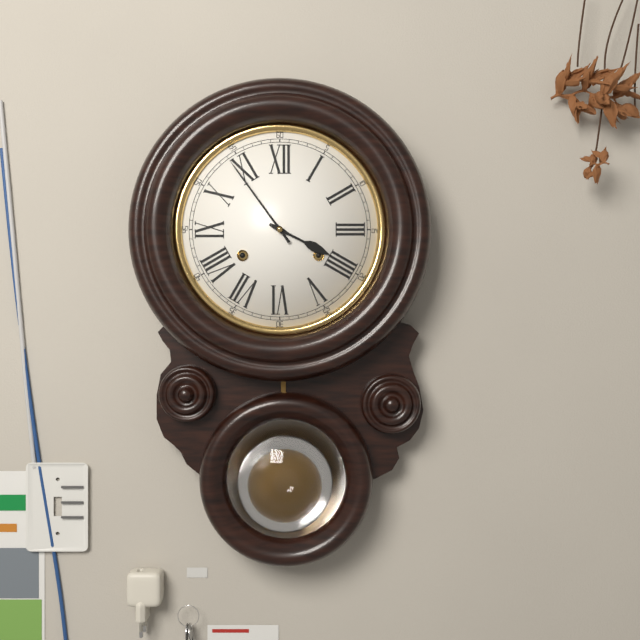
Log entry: 3h54
